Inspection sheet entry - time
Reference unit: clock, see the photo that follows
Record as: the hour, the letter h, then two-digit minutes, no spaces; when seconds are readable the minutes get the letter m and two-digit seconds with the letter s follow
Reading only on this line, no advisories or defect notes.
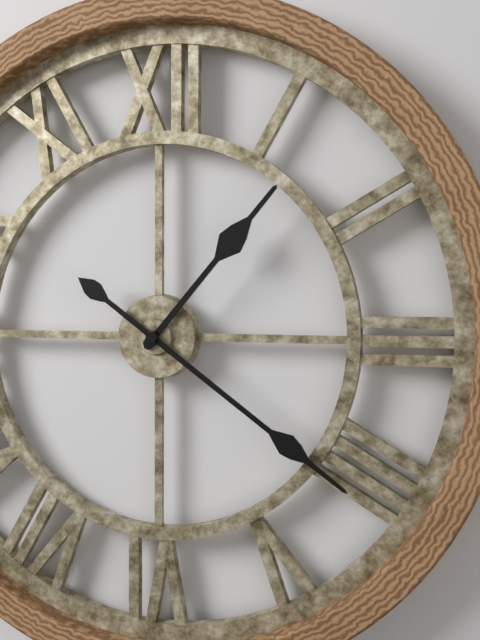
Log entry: 1h21
